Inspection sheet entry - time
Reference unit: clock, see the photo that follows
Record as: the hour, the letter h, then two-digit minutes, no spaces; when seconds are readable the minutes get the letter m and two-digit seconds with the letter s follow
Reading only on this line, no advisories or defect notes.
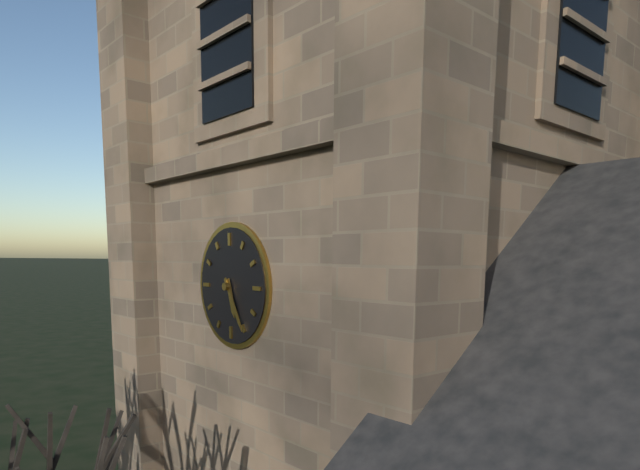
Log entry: 5h25
